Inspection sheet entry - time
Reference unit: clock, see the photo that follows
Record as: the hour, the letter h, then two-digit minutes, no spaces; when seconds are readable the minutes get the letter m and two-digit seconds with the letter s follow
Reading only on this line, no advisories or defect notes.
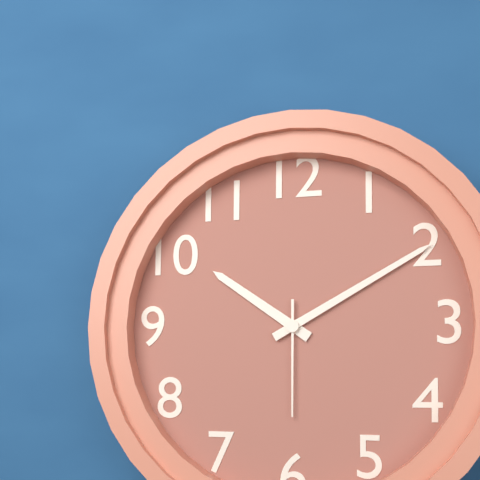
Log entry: 10h10m30s
